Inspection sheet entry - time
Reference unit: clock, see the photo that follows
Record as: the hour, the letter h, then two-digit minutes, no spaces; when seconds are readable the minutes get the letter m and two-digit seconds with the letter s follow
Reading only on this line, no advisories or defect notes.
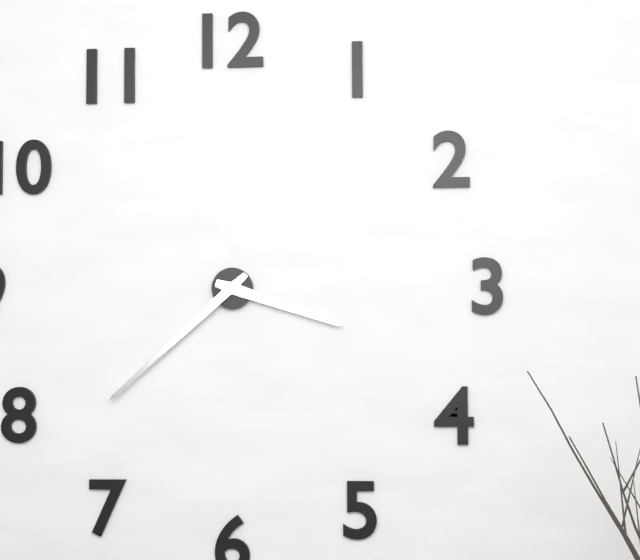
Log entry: 3h38
